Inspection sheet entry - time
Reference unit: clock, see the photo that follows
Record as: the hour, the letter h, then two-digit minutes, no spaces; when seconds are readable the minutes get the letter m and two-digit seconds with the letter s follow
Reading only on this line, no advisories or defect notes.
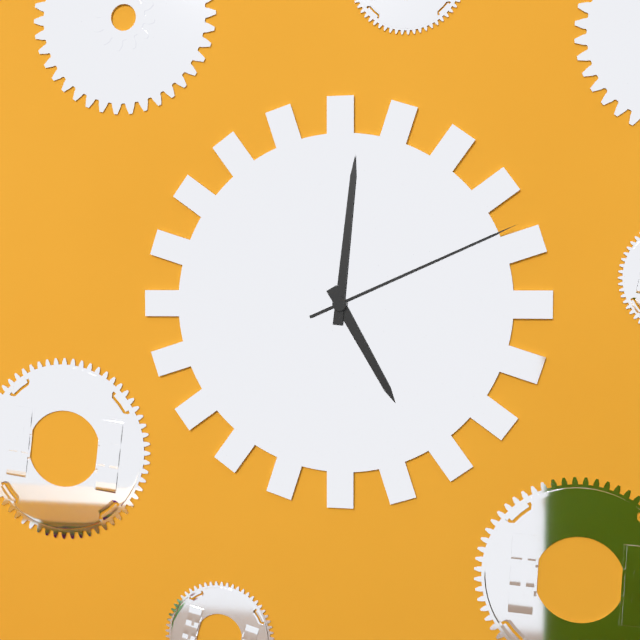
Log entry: 5h01m11s
